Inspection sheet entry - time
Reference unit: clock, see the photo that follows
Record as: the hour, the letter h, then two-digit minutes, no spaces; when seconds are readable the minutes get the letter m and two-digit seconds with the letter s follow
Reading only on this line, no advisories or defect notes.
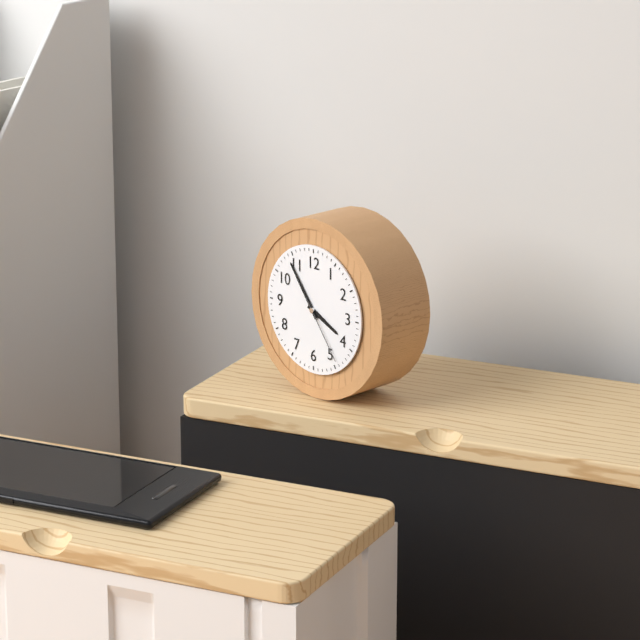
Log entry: 3h54m24s
